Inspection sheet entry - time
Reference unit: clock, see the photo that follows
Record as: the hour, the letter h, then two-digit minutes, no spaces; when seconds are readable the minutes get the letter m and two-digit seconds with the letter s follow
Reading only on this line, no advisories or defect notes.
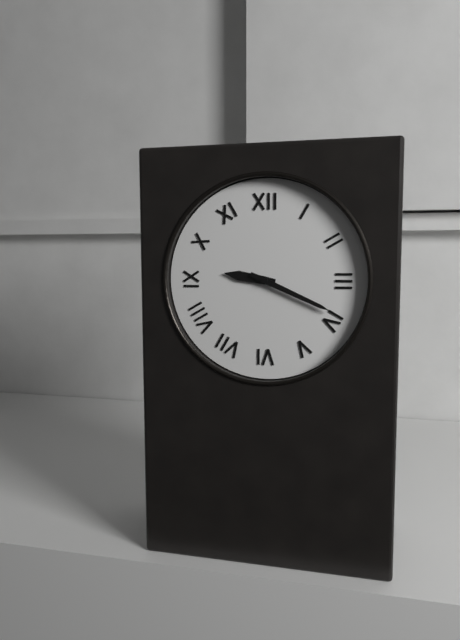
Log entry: 9h19
